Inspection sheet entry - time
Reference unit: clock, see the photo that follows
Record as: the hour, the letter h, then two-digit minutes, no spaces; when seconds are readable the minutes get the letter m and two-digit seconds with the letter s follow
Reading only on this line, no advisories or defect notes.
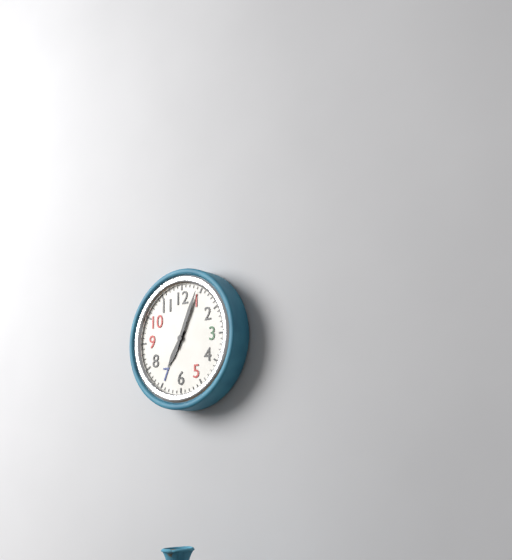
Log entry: 7h04
